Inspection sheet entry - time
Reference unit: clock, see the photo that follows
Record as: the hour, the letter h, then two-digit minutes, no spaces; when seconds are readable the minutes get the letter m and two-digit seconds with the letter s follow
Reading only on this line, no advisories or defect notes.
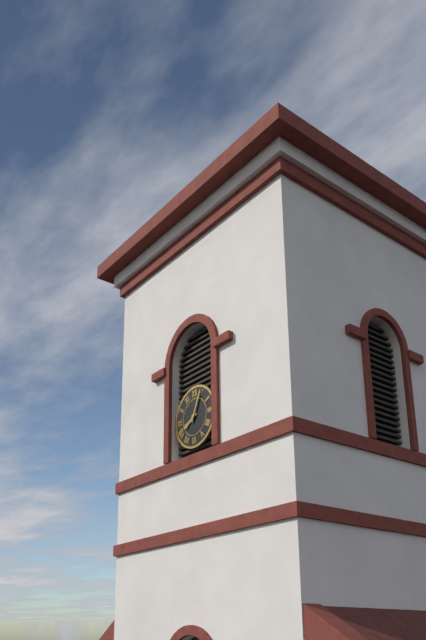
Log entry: 8h04
